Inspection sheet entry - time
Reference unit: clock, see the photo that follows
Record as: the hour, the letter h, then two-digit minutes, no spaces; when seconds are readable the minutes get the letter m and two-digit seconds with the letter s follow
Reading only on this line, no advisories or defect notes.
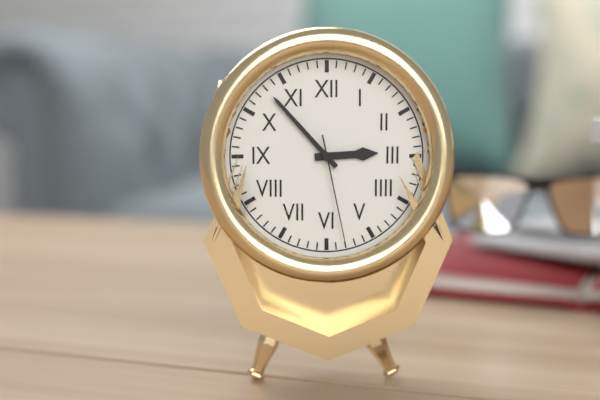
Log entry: 2h53m28s
